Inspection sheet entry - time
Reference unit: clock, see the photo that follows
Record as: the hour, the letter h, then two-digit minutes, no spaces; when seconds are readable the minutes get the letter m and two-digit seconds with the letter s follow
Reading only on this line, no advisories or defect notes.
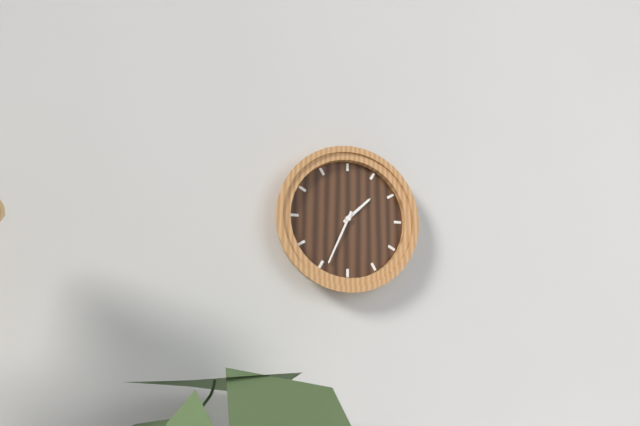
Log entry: 1h34
